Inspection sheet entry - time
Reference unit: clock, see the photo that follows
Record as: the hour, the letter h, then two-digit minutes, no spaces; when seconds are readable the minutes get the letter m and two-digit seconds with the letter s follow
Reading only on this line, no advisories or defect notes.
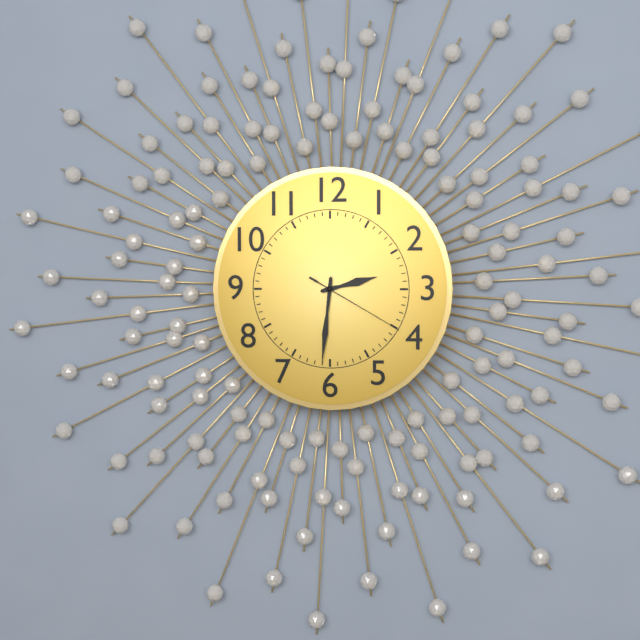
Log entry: 2h31m20s
